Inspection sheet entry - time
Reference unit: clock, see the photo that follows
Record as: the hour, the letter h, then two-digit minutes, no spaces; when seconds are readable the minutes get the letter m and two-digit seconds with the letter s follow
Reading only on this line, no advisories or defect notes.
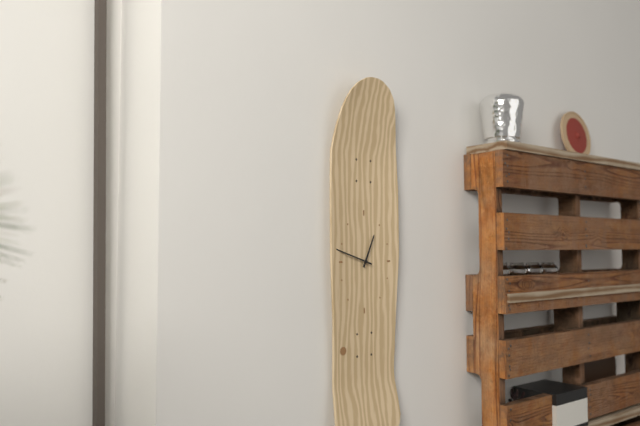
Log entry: 12h48
